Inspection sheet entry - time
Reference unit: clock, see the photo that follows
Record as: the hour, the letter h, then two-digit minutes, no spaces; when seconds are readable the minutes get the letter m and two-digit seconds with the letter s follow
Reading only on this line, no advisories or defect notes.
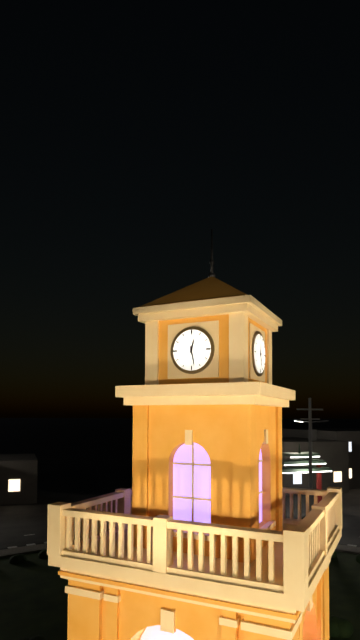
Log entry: 12h28
